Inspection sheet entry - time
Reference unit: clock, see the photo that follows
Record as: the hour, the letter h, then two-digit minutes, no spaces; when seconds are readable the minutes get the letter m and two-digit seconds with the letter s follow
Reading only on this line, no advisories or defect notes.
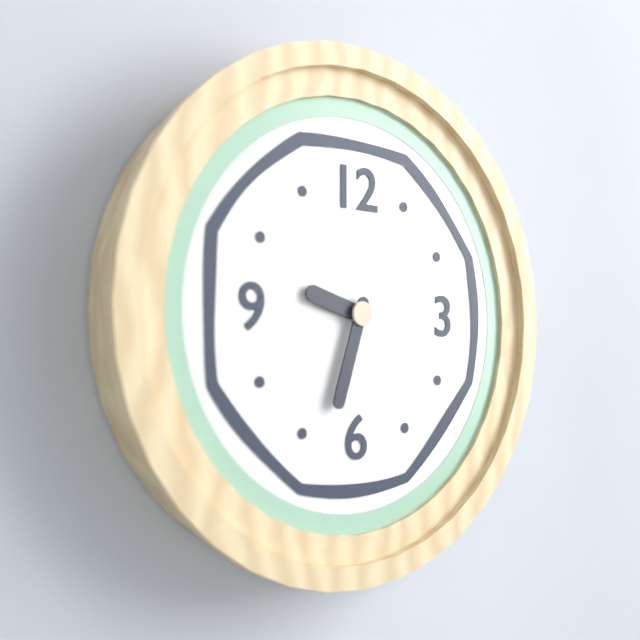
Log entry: 9h33
